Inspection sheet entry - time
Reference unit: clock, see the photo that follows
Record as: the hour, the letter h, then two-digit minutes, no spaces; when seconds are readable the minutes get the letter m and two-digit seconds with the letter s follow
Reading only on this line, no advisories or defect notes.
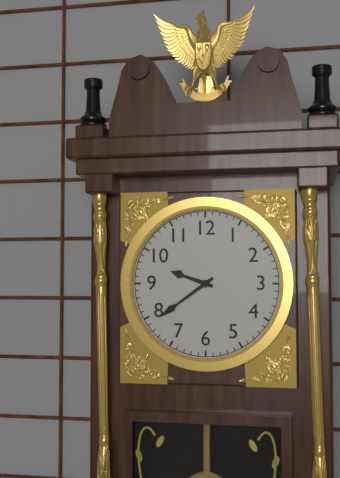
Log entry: 9h39
